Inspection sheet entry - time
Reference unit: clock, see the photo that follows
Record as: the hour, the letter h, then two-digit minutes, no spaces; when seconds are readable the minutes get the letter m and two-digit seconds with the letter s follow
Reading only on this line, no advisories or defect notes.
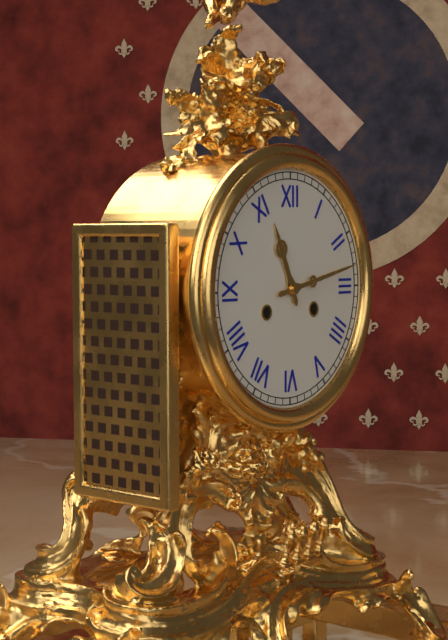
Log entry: 11h13
